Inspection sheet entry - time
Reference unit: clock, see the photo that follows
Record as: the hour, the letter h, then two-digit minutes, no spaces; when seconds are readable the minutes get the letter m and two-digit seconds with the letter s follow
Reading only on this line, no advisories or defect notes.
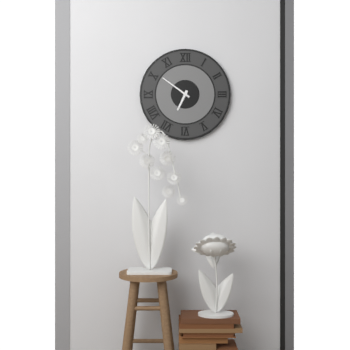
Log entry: 6h51
